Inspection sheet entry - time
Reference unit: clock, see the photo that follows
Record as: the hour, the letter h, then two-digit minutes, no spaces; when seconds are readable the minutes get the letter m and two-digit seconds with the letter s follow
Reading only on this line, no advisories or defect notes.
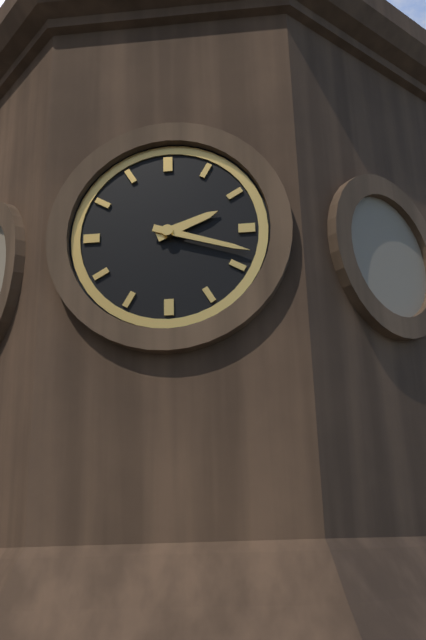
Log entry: 2h18
